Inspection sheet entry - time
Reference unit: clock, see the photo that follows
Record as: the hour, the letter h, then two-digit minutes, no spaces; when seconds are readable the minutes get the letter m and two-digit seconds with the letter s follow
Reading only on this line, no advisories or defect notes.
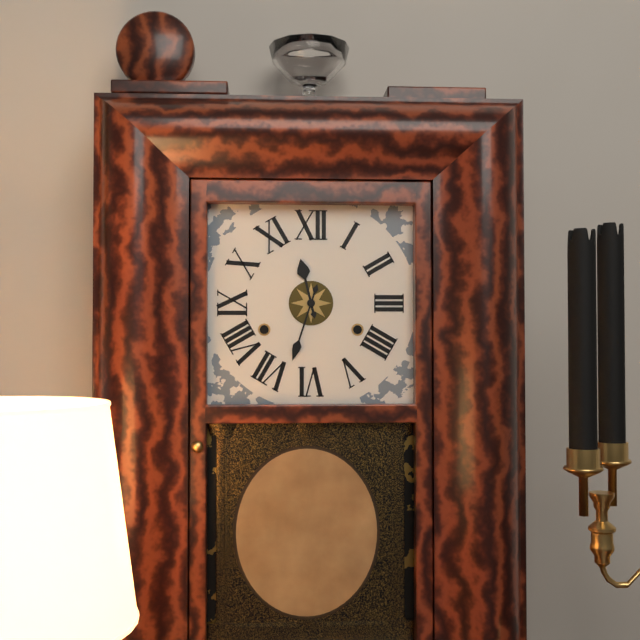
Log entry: 11h33
